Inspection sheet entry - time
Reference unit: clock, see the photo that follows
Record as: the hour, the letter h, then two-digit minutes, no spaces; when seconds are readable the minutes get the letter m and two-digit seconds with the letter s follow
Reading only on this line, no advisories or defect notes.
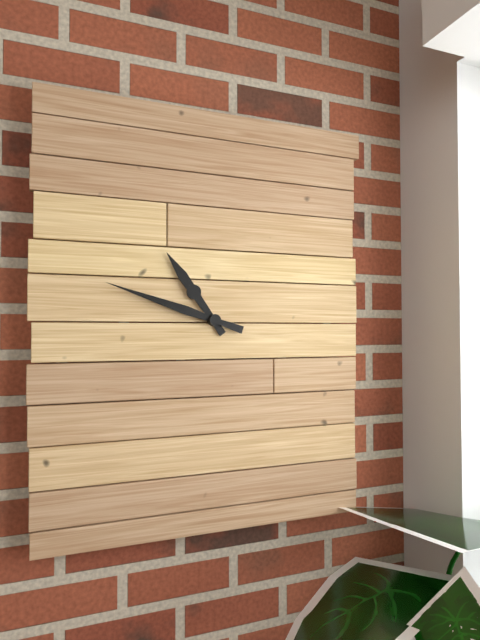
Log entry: 10h48
